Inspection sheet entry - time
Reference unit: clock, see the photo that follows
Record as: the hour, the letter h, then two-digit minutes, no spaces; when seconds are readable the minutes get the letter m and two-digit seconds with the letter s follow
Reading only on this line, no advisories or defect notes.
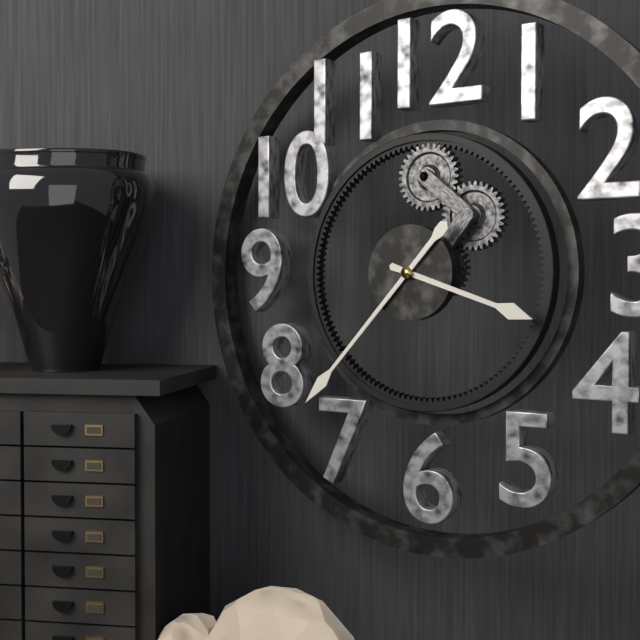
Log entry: 3h37
